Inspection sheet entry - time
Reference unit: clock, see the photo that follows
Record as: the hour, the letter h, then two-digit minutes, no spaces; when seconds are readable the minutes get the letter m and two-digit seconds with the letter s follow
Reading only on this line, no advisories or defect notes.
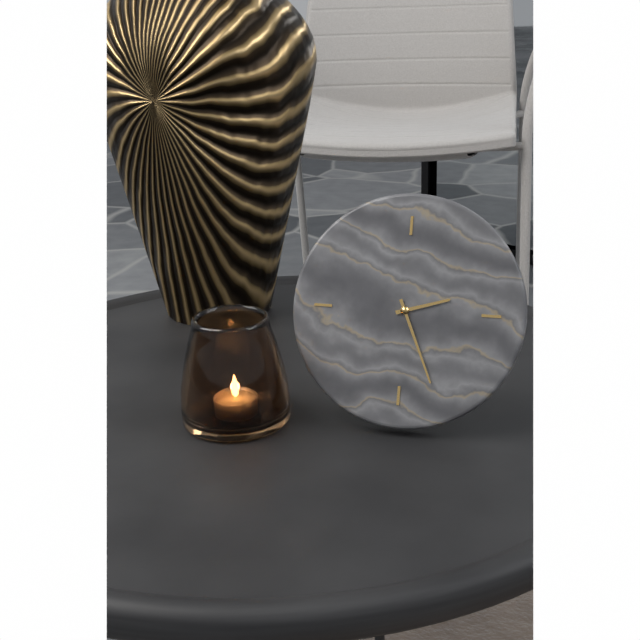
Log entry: 2h26
